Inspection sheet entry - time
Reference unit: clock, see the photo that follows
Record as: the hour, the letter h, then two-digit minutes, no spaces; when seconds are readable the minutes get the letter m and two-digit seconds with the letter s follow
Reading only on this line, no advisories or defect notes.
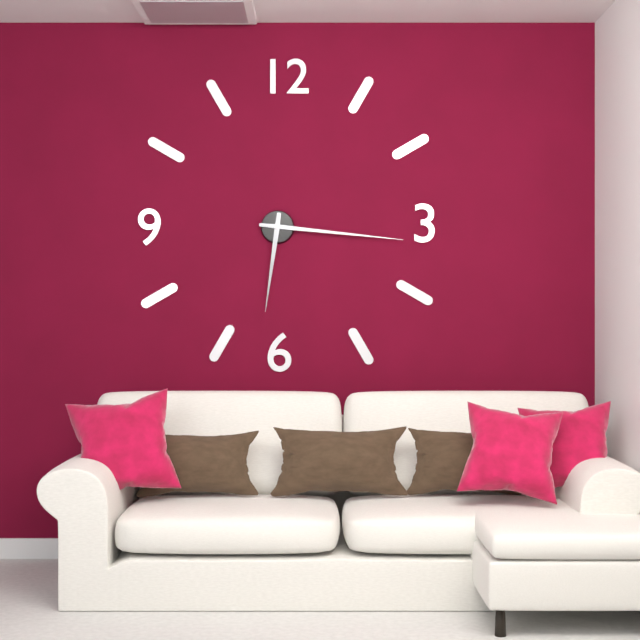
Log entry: 6h16
